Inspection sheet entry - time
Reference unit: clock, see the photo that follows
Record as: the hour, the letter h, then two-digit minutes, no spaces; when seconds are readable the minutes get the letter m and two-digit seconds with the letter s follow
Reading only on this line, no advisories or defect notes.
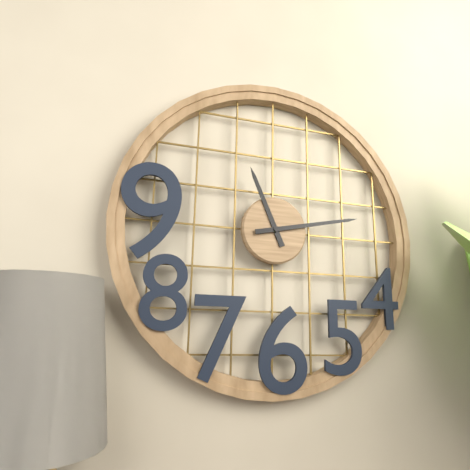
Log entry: 11h13
